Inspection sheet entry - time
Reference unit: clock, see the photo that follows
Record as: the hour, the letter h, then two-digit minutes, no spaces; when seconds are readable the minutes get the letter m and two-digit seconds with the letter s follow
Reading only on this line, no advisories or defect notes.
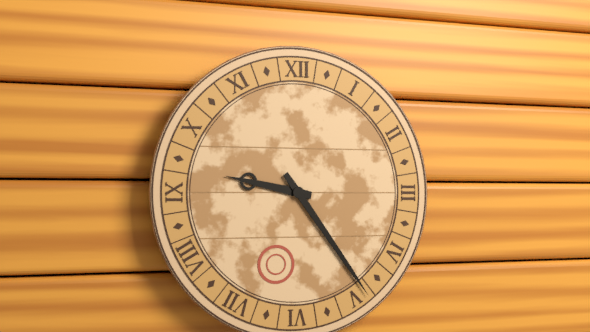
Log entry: 9h24
